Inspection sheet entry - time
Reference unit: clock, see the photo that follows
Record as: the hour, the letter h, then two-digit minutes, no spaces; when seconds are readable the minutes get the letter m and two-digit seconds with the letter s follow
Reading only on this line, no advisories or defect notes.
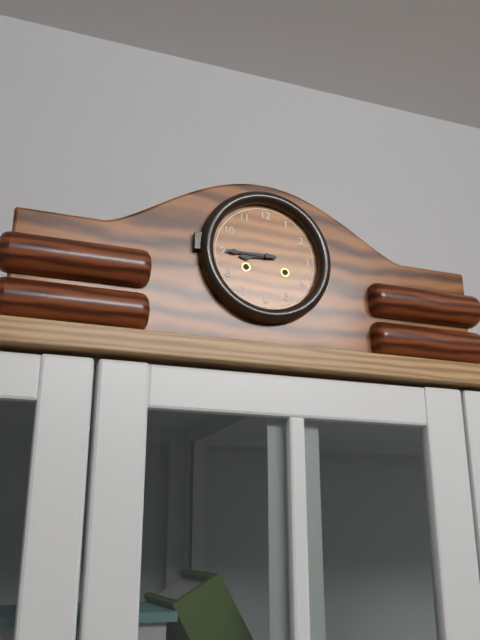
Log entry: 8h45
